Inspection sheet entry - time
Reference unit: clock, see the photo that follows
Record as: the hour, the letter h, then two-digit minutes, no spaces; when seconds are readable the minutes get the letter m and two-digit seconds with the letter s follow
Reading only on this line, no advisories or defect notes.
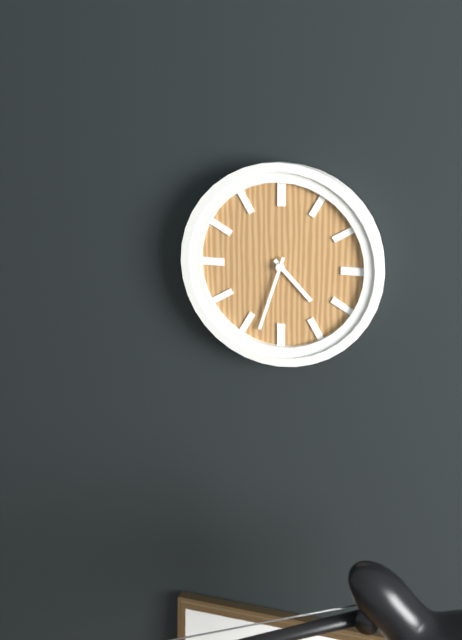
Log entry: 4h33
